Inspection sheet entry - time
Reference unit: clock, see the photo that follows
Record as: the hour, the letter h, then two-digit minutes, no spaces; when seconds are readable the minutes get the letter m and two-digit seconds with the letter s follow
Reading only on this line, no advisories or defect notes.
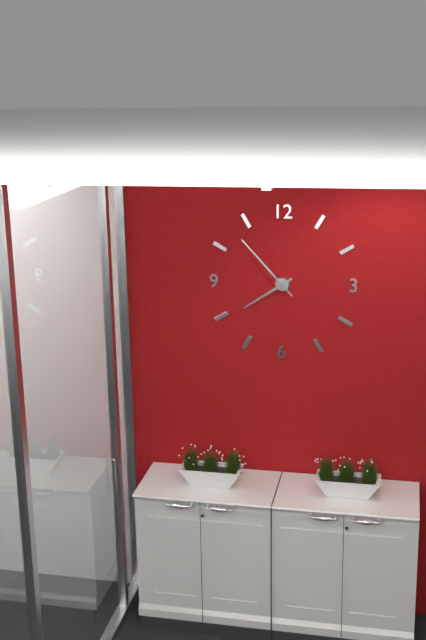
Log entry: 7h53
